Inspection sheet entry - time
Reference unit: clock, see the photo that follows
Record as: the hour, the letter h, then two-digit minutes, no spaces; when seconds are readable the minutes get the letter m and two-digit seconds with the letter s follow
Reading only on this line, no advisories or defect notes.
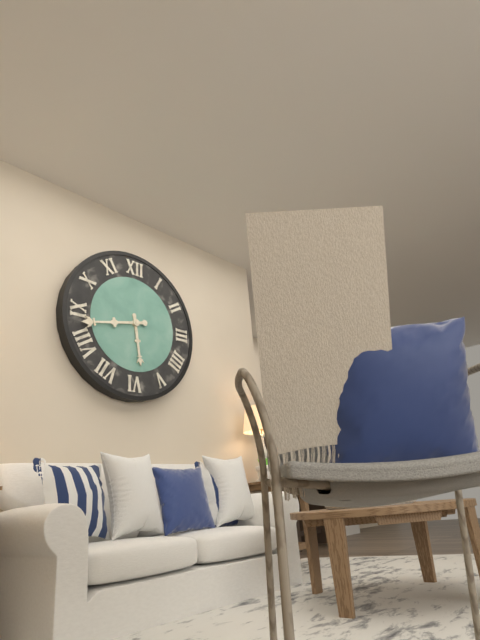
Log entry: 5h43
